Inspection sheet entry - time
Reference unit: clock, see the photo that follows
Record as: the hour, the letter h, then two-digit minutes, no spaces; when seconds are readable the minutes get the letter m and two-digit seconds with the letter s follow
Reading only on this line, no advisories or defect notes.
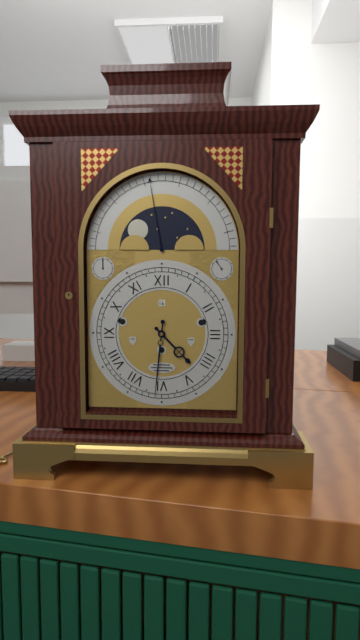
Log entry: 4h31
